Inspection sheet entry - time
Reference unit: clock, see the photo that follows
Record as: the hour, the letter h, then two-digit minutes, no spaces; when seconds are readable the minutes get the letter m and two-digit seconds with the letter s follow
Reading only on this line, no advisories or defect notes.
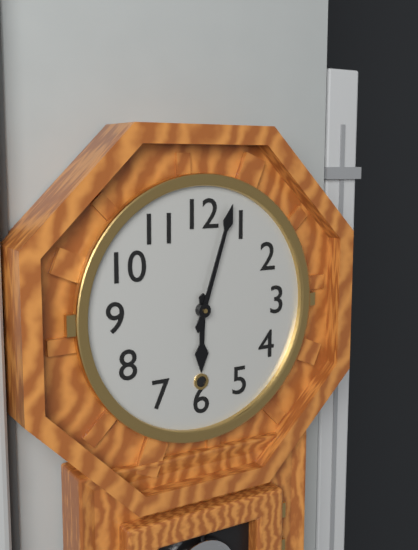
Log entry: 6h03
